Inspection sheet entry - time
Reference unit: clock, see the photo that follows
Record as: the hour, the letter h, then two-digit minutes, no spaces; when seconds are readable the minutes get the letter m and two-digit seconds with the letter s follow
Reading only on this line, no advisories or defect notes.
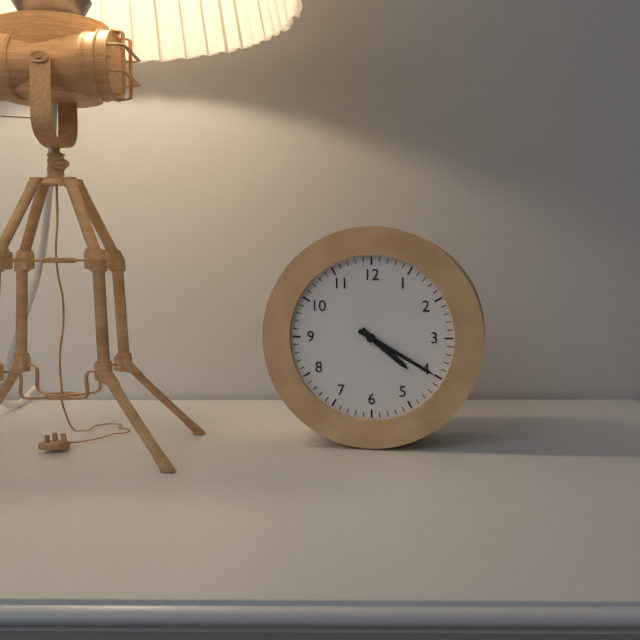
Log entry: 4h20
